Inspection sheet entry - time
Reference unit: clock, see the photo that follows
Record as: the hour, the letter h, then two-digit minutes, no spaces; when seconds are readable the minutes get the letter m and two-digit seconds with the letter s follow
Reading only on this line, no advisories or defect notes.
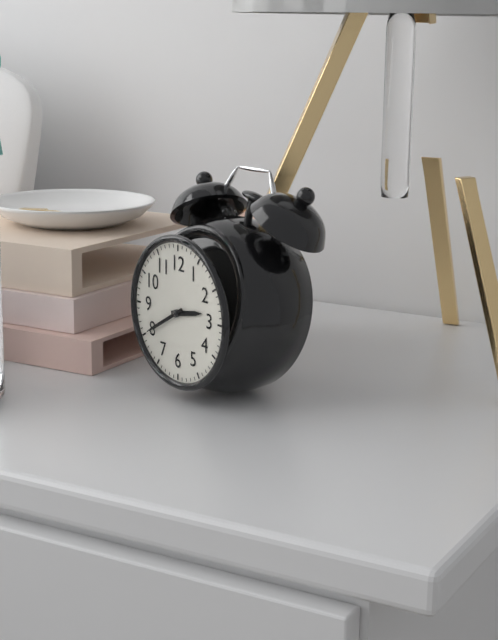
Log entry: 2h40
